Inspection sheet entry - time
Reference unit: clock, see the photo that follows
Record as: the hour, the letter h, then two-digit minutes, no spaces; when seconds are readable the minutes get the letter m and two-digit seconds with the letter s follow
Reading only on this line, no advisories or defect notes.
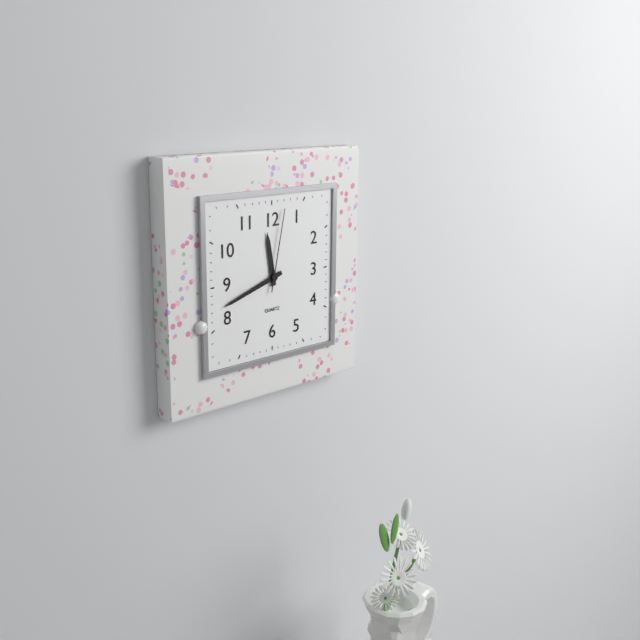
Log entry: 11h42m02s
